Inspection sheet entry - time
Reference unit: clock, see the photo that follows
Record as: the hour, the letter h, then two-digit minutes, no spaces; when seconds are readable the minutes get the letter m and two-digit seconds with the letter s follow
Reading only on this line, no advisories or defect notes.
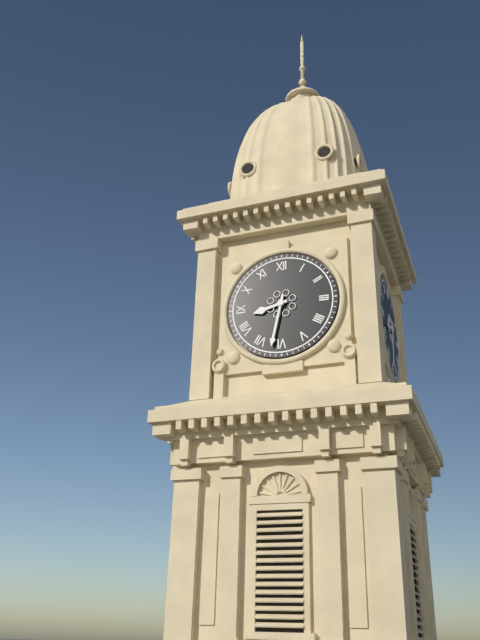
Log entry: 8h32
